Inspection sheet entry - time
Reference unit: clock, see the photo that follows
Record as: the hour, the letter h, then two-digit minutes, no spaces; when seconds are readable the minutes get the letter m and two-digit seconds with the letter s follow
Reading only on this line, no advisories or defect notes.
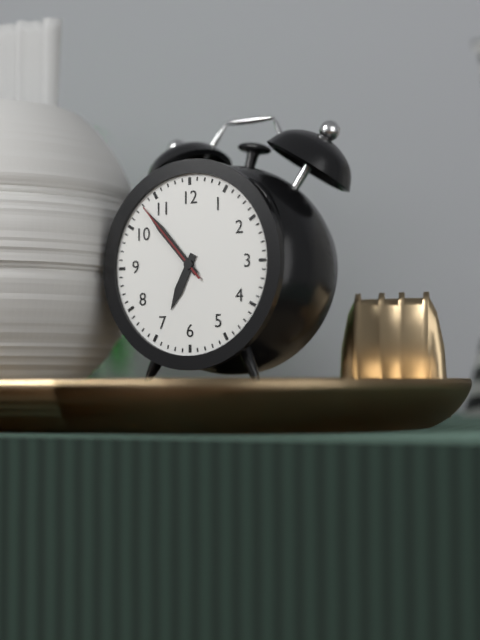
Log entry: 6h53m53s
